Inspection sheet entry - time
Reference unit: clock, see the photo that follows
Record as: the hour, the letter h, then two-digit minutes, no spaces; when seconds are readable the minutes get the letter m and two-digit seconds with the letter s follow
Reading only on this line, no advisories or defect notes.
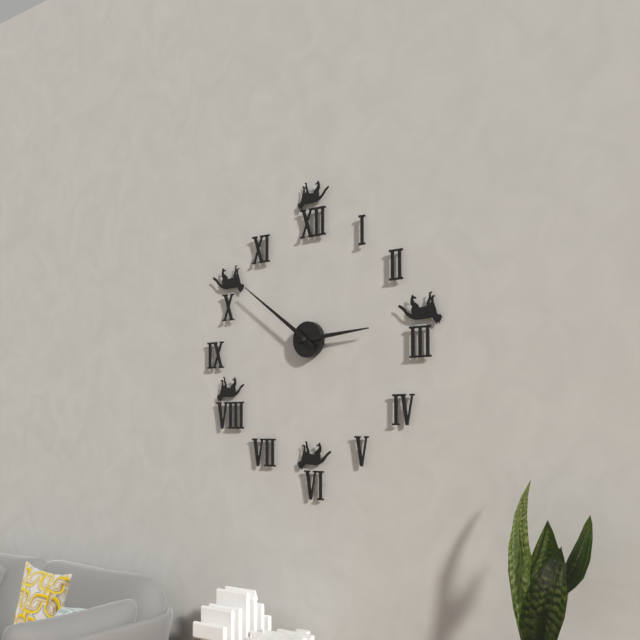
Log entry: 2h51
